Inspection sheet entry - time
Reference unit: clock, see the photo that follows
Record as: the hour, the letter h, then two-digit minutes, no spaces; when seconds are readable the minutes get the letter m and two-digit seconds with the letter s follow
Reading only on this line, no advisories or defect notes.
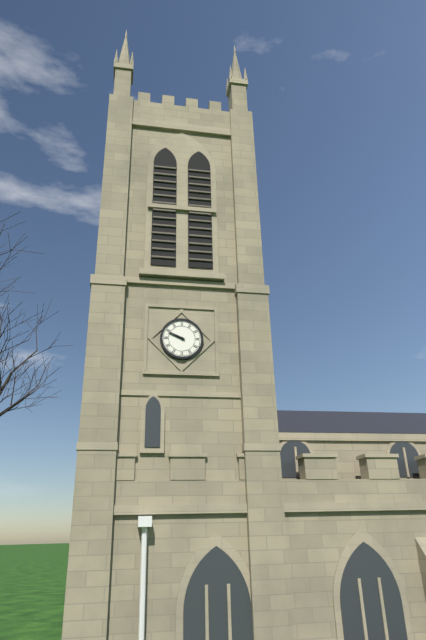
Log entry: 9h49
